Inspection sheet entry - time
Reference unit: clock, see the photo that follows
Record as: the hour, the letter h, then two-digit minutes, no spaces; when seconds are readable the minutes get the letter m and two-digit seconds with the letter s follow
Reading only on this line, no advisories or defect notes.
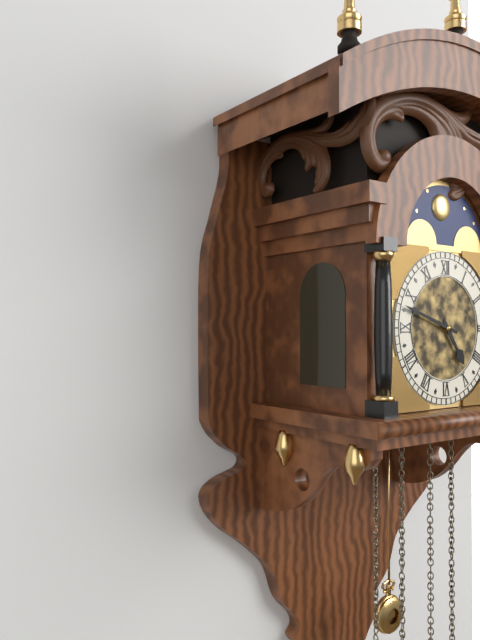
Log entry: 4h48
